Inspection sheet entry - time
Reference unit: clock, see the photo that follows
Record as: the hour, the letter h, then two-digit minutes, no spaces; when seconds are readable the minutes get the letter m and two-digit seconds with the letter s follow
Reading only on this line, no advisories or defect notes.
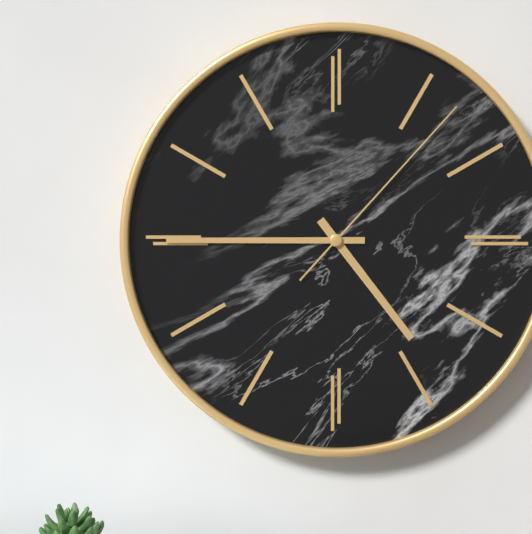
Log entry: 4h45m07s
